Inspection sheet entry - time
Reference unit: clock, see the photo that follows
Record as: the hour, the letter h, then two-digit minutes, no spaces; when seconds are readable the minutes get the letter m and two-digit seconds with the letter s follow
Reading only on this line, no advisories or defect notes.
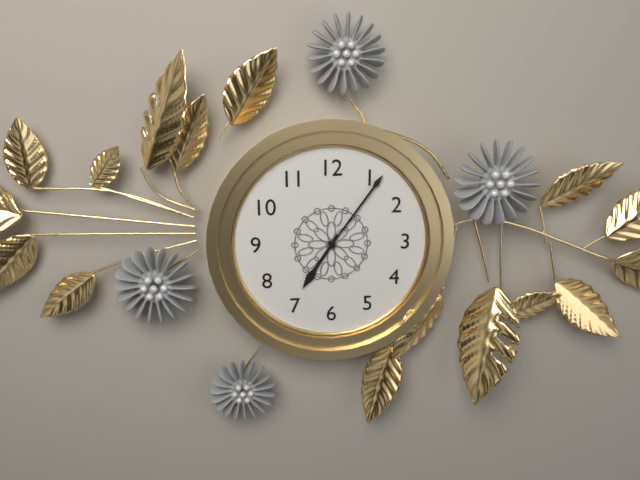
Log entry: 7h06
